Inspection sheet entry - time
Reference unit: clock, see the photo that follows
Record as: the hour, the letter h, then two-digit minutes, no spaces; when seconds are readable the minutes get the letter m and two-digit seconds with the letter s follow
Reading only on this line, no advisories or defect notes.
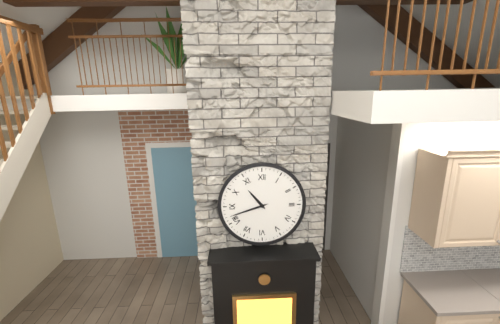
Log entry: 10h42
